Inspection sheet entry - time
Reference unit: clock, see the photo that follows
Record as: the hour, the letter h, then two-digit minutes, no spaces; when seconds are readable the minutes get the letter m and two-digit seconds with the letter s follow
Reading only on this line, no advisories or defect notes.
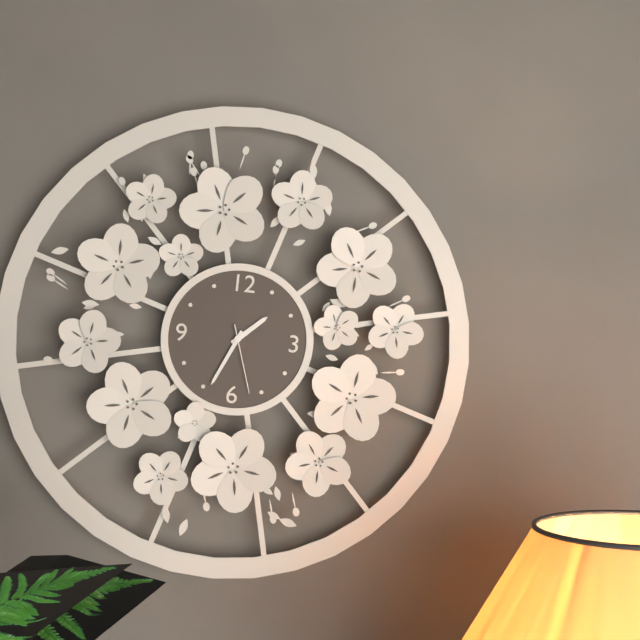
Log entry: 1h34m27s
